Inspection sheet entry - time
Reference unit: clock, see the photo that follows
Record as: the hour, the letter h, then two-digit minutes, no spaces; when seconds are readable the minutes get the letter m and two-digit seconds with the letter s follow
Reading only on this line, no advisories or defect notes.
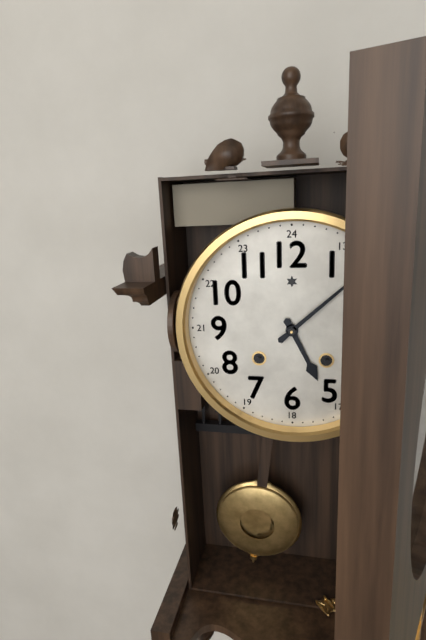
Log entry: 5h08
